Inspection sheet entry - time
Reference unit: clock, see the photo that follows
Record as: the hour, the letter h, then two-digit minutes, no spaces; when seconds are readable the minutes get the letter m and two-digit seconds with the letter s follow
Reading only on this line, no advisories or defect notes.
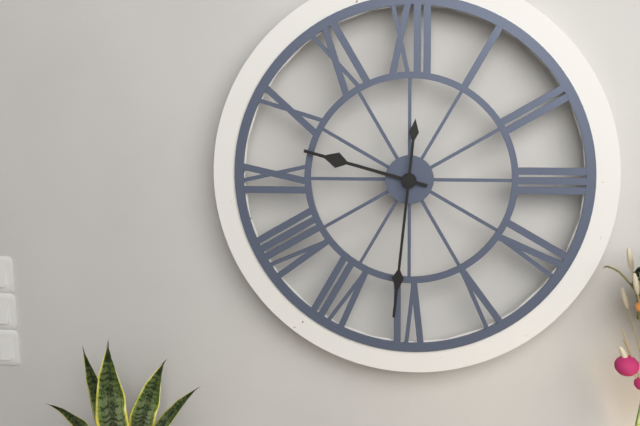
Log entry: 9h31
